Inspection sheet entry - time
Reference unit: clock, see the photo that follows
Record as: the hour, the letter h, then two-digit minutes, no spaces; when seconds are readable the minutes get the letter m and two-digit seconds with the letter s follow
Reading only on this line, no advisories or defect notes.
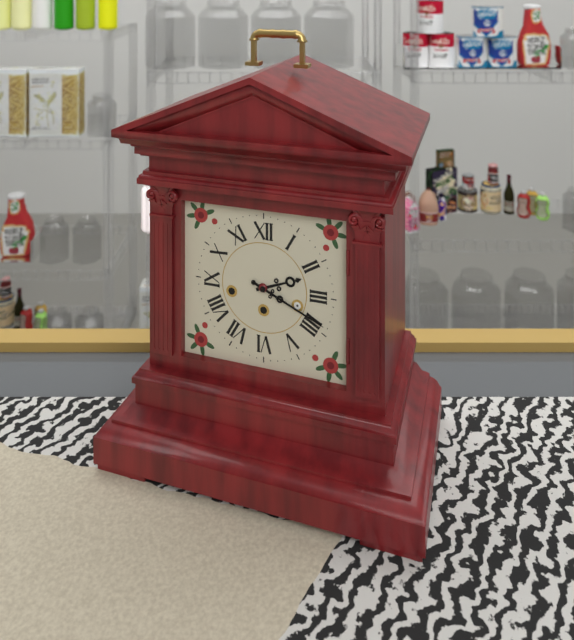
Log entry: 2h19
